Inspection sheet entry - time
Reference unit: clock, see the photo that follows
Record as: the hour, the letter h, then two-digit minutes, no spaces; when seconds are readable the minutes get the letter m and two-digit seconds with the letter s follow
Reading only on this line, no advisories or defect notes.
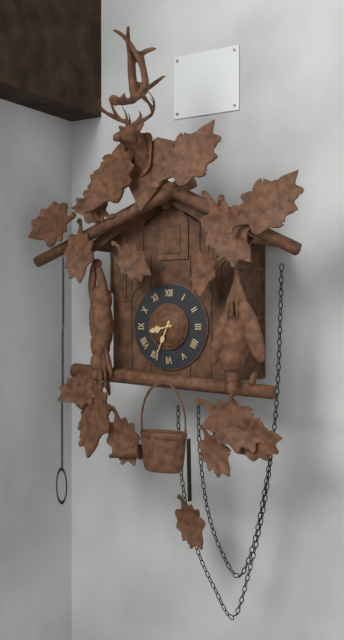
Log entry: 8h34
